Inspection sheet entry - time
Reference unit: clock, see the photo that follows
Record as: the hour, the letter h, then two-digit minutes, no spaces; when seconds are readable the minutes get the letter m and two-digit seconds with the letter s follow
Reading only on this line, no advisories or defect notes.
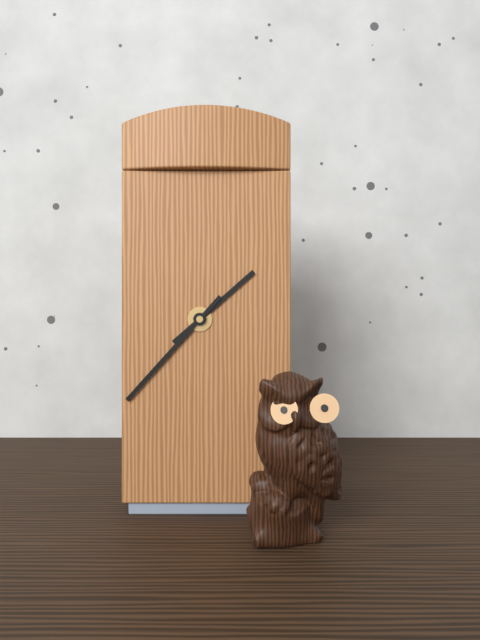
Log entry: 1h37
